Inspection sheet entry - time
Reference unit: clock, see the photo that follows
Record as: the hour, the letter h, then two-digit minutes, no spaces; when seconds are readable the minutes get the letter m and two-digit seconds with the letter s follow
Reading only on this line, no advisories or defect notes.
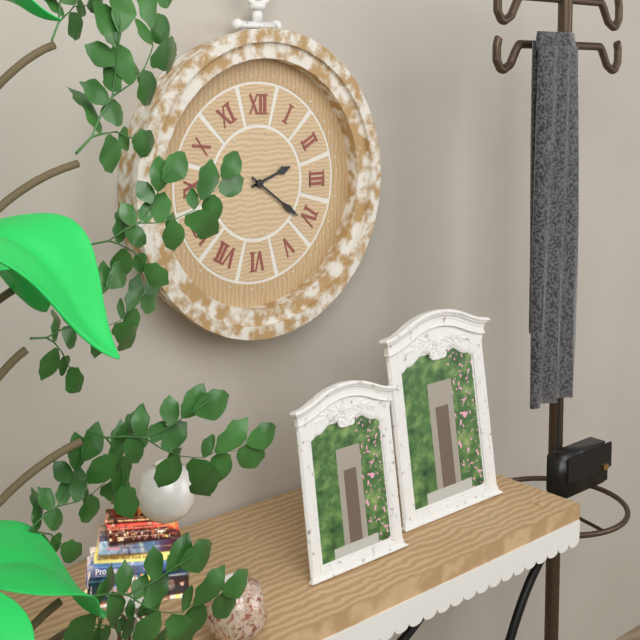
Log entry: 2h21
